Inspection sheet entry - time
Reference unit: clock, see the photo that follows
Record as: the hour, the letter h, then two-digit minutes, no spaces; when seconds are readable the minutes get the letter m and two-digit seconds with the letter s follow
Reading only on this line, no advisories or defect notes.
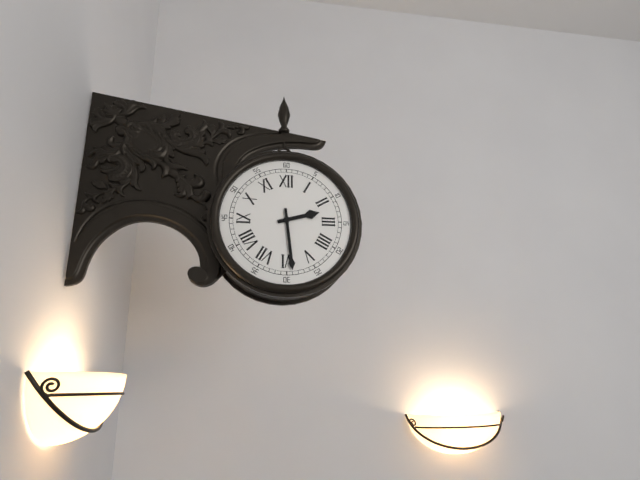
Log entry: 2h29
